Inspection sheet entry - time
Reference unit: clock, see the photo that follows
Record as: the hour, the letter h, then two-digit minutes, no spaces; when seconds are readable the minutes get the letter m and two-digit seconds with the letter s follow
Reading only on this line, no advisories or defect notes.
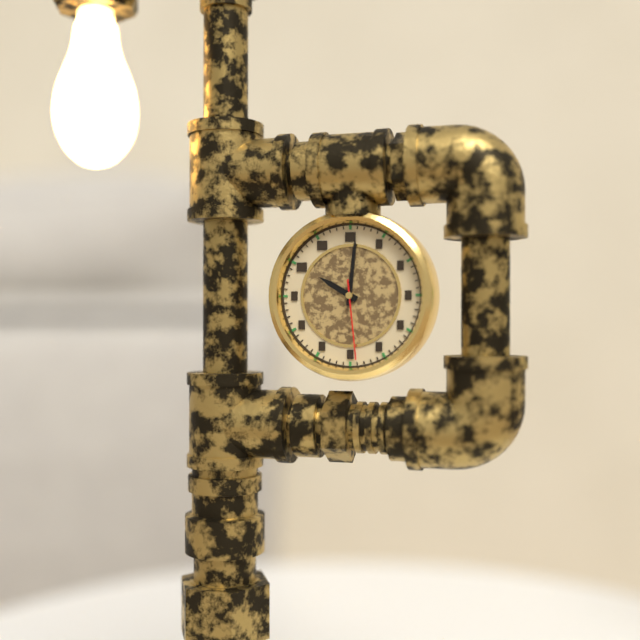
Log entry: 10h01m29s
